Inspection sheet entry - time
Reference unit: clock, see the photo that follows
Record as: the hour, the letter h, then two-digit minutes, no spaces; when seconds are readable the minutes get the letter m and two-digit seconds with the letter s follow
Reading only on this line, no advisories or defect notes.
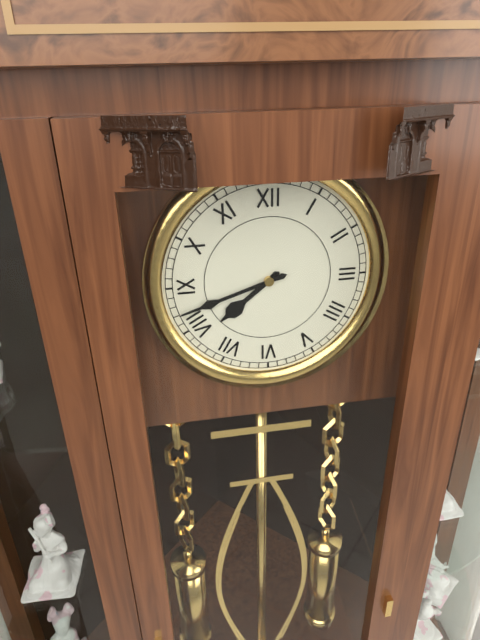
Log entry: 7h42
